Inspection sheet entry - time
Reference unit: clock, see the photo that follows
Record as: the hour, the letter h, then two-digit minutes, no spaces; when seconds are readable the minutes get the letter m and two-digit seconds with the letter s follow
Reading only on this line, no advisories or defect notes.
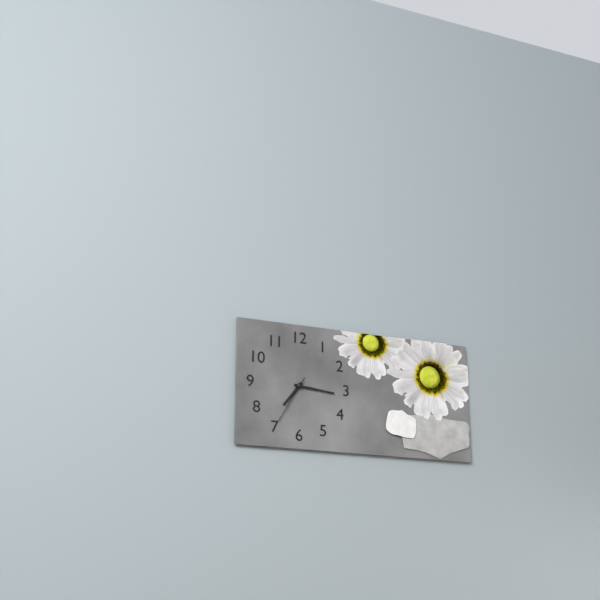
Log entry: 7h16m35s
